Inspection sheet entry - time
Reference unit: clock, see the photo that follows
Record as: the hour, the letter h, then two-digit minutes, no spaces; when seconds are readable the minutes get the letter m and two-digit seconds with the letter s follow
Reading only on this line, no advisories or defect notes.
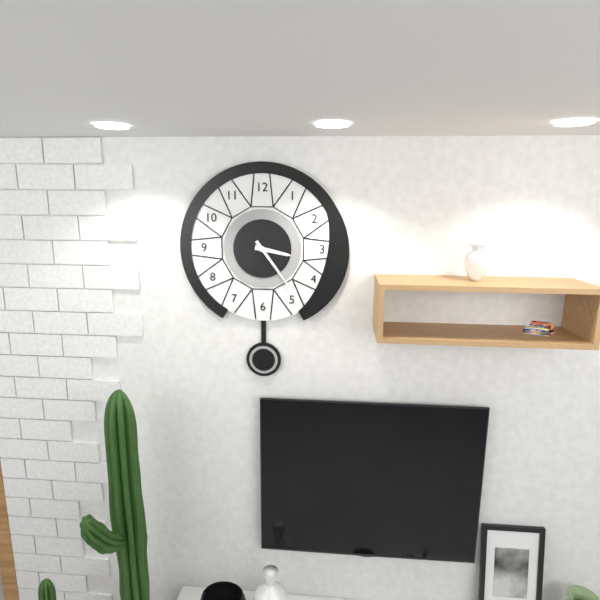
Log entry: 3h24
